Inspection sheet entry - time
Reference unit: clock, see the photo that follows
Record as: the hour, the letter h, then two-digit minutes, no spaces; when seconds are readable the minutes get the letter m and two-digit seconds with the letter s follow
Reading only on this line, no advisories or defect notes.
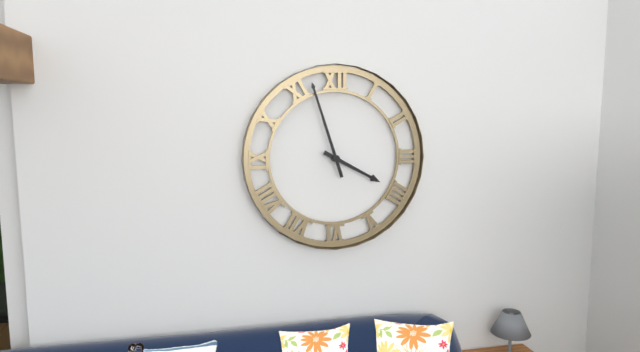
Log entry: 3h57
